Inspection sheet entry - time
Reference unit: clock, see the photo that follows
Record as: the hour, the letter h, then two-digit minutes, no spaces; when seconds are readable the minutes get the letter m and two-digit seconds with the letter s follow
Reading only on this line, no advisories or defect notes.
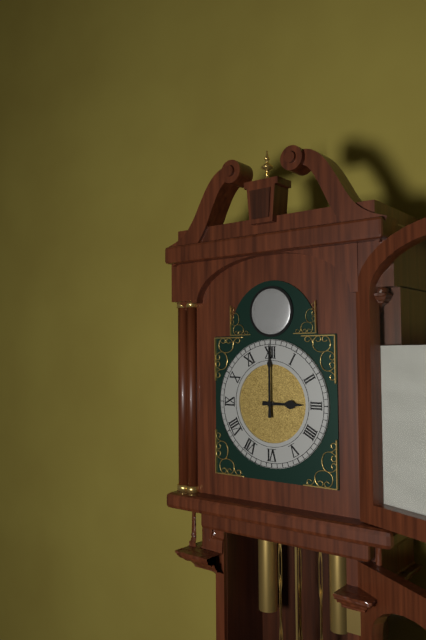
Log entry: 3h00
